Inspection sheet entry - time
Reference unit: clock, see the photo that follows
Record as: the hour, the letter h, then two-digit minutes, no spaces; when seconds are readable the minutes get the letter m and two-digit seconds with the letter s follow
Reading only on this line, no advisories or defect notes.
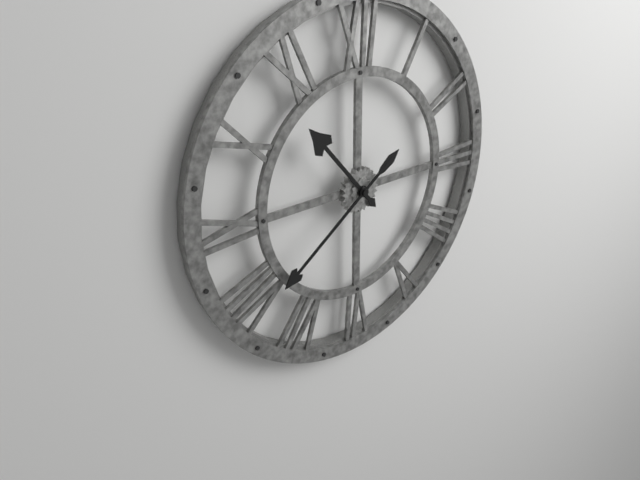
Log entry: 10h39
